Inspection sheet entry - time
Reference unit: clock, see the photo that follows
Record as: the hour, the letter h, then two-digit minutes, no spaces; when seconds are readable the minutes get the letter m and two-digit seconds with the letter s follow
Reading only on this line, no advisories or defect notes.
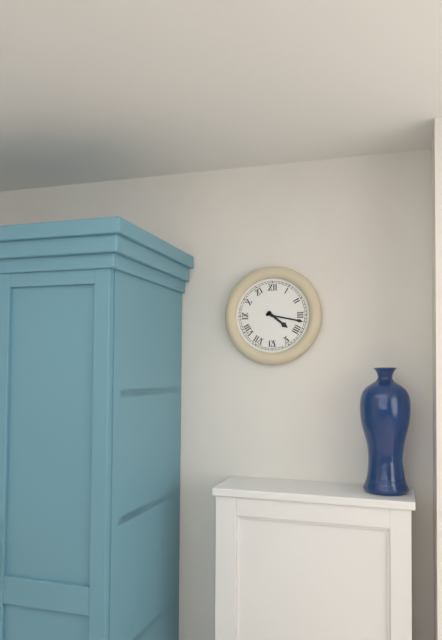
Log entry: 4h17
